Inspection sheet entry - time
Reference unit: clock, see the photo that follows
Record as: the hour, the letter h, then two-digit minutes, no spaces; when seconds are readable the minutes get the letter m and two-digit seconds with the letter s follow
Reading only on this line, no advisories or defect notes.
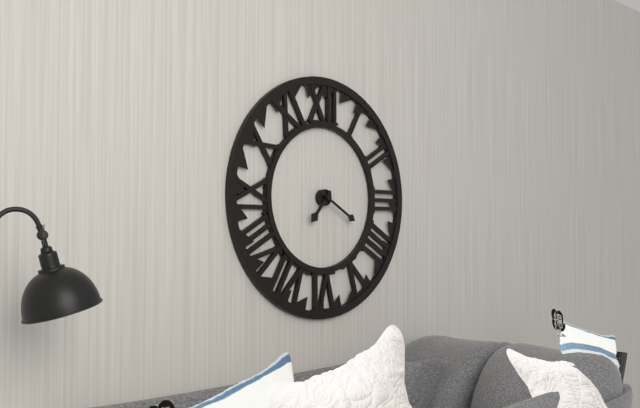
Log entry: 7h20
